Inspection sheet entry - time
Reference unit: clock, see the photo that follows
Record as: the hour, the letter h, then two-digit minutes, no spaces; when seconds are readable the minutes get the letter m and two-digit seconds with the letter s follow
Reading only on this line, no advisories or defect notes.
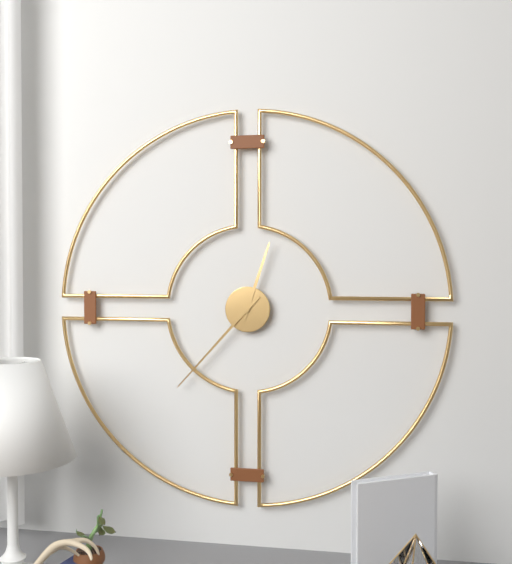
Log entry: 12h37
